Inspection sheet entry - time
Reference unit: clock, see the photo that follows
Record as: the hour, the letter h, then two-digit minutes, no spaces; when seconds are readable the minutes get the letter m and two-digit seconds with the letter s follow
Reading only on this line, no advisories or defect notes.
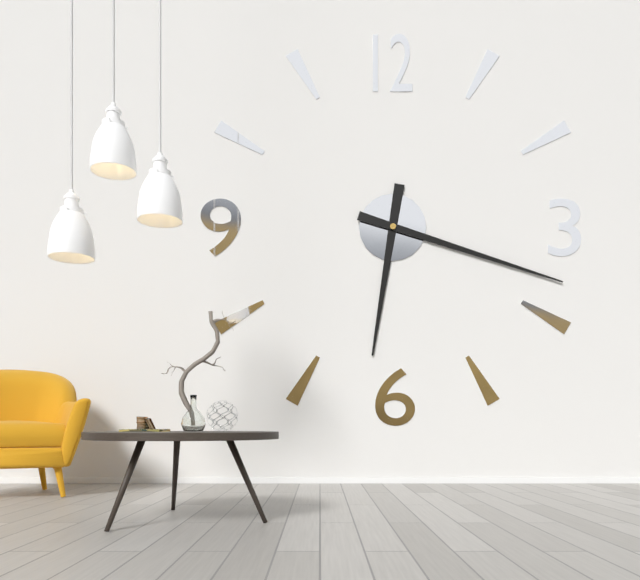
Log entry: 6h18
